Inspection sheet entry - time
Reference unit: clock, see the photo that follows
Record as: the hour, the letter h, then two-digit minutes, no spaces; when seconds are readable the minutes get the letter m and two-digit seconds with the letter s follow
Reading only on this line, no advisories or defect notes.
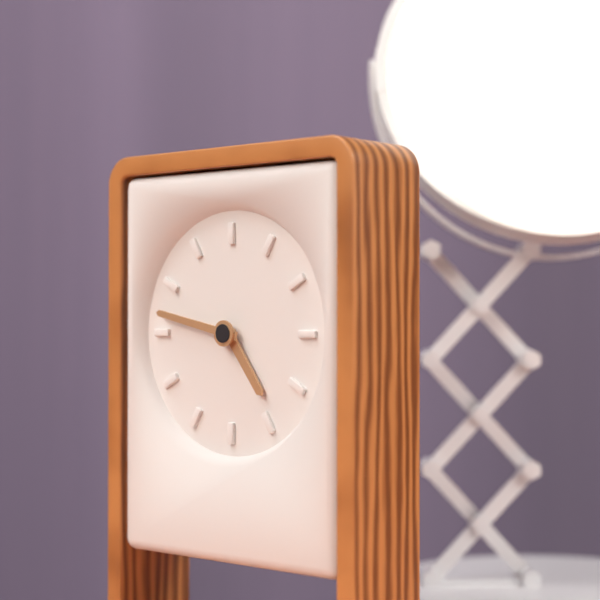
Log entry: 4h47
